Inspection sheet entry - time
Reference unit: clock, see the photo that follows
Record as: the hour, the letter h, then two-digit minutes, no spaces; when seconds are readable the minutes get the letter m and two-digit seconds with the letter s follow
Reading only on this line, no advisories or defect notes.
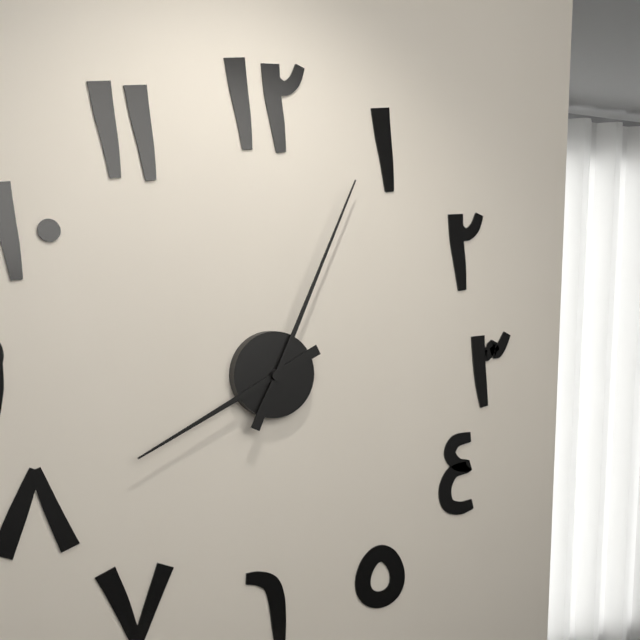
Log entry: 8h04
